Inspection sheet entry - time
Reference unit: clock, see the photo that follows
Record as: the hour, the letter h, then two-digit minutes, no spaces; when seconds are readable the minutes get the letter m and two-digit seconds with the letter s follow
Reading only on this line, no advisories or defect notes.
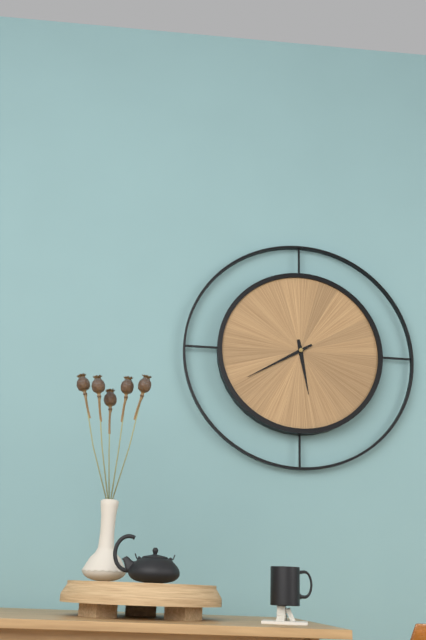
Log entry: 5h40
